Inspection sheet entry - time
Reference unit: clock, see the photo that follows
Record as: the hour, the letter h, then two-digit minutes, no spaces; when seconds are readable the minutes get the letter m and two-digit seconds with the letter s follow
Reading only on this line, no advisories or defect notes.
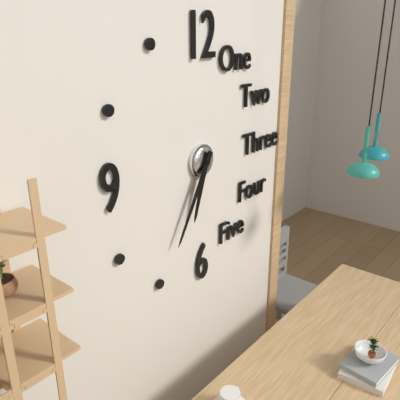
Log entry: 6h35
